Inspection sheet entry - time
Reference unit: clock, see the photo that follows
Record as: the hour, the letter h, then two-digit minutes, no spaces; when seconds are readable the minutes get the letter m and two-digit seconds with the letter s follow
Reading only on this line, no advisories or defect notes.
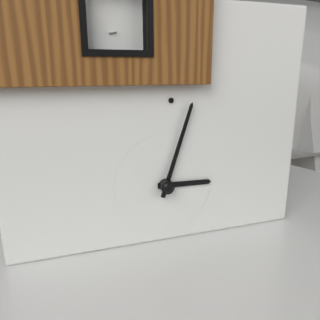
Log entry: 3h03
